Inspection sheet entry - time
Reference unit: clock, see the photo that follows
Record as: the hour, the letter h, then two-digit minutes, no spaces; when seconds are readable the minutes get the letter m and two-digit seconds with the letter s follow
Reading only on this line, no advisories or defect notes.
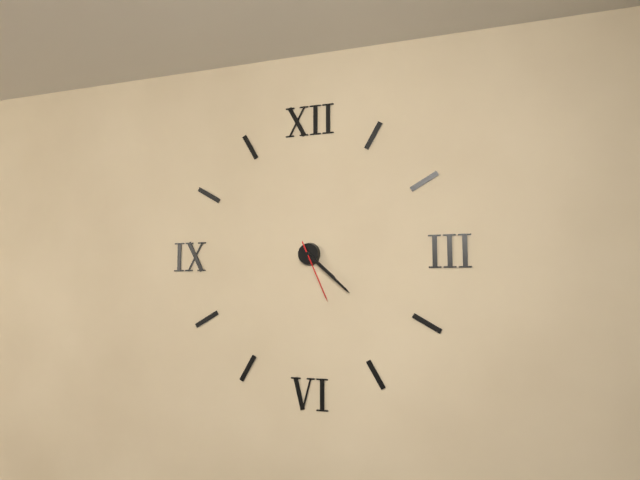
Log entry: 4h22m26s
